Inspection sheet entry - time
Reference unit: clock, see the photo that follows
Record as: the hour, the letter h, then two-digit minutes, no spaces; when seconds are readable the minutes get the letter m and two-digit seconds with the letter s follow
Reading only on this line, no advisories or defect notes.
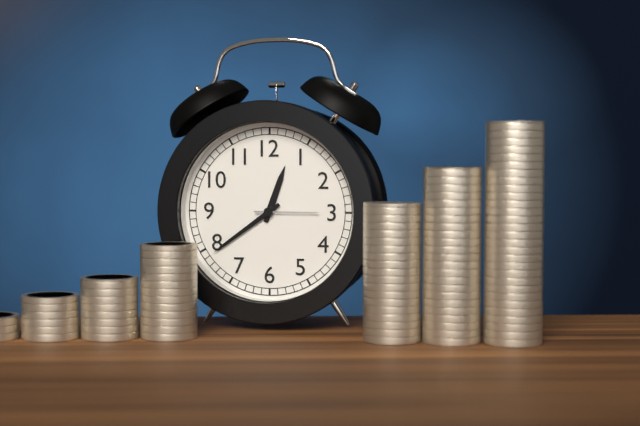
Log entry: 12h39m15s
